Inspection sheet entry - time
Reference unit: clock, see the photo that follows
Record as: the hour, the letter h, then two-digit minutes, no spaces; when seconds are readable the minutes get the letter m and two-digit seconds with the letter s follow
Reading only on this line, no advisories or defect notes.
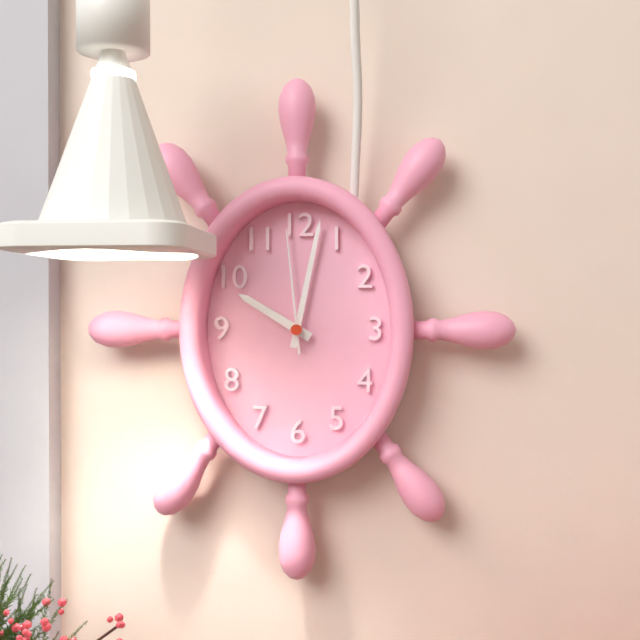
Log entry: 10h02m59s
